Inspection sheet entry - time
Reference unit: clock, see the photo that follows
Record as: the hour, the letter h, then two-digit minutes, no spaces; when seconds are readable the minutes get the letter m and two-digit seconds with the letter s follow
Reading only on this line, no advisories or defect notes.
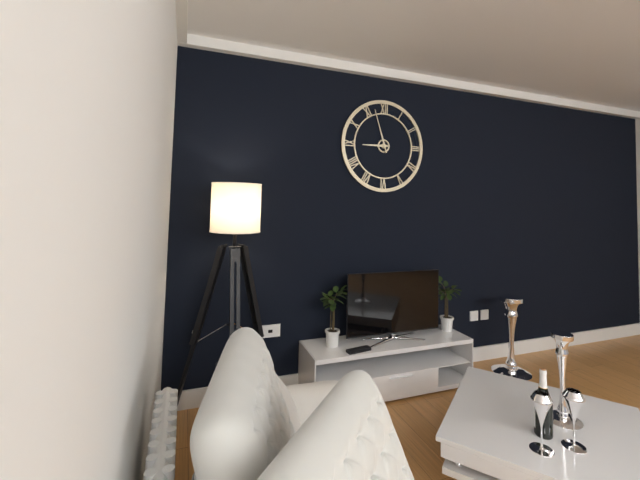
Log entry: 8h57
